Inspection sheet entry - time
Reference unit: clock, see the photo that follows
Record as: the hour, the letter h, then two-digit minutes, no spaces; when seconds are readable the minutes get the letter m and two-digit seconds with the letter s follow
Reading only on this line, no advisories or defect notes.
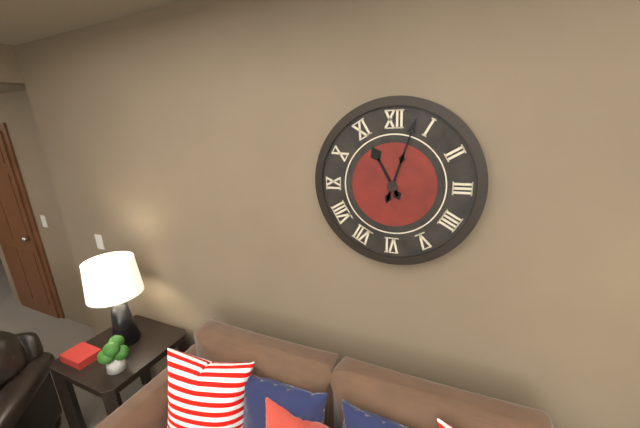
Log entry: 11h03
